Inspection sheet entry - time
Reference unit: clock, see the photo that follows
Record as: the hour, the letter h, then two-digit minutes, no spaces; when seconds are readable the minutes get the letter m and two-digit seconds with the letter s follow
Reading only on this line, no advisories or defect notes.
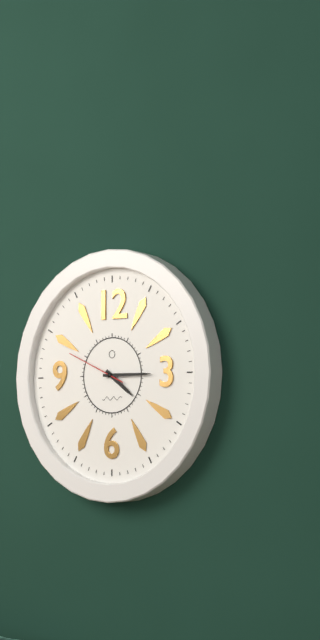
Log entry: 4h15m49s
